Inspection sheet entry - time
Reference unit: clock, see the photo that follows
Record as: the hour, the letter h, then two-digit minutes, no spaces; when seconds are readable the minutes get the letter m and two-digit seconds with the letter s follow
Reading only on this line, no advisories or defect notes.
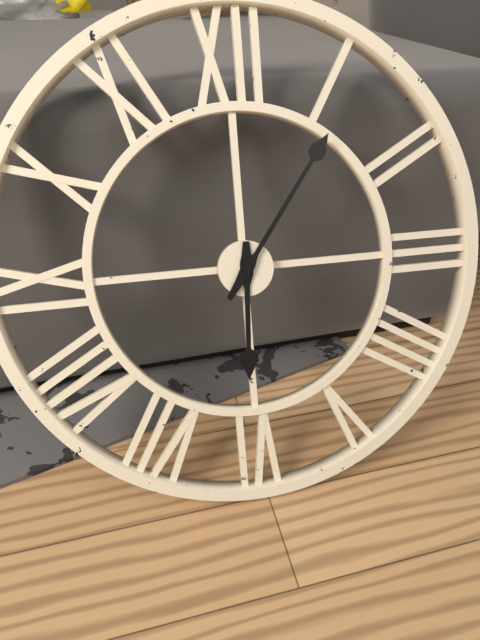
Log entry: 6h06
